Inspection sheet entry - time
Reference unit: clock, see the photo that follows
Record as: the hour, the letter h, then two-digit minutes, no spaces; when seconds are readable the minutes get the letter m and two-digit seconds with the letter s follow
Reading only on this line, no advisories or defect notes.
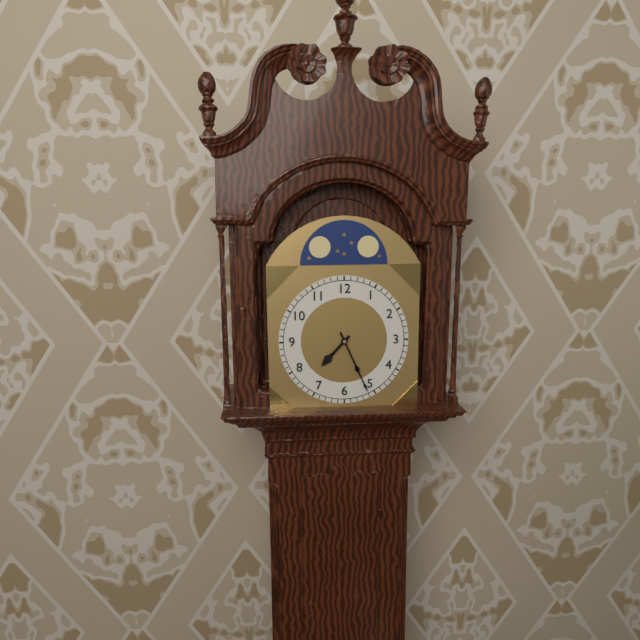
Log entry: 7h26
